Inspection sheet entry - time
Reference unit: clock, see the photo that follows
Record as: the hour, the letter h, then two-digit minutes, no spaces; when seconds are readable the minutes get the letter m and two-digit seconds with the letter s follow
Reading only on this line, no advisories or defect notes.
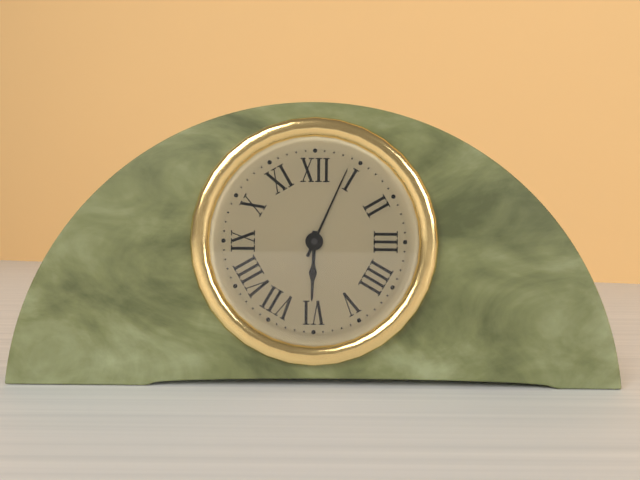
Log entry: 6h04
